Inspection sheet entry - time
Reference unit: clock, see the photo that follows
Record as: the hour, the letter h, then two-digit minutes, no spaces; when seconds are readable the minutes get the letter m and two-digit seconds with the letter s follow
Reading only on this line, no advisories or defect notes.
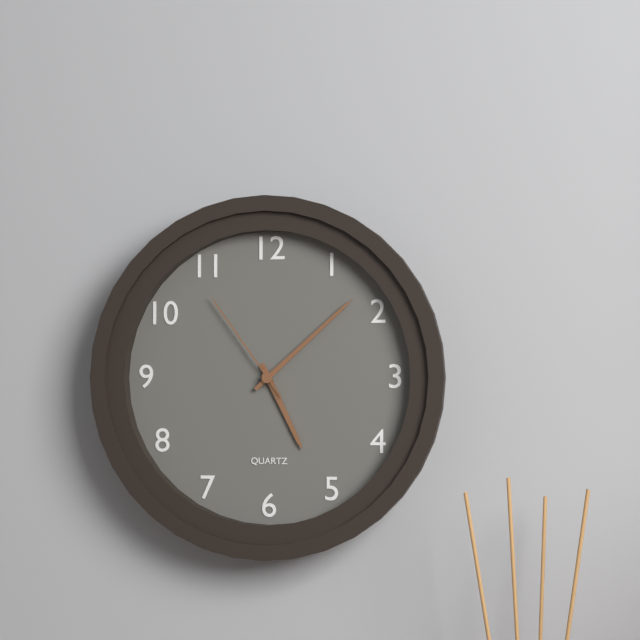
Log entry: 5h08m54s
